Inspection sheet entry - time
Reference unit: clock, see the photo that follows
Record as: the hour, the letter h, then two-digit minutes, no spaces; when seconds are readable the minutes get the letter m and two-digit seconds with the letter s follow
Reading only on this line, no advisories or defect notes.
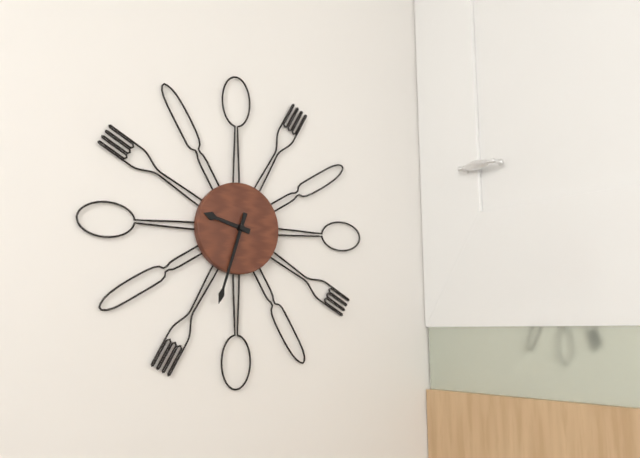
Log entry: 9h33
